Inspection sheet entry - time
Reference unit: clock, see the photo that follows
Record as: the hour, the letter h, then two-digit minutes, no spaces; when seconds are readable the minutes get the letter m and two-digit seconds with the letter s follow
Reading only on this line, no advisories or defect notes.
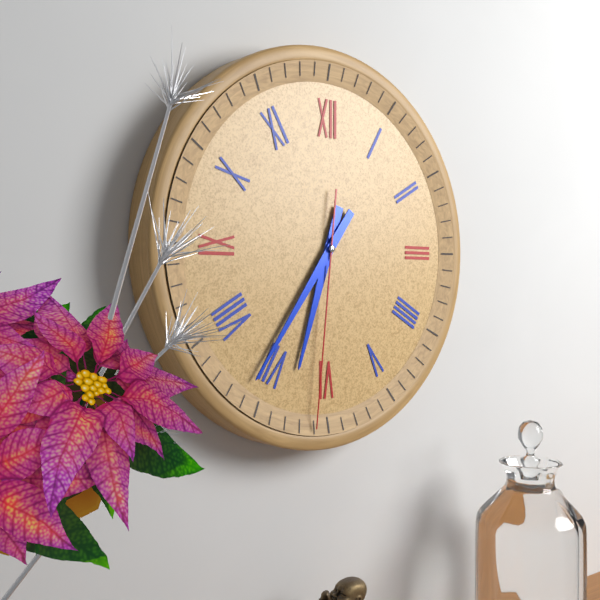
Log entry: 6h36m31s
